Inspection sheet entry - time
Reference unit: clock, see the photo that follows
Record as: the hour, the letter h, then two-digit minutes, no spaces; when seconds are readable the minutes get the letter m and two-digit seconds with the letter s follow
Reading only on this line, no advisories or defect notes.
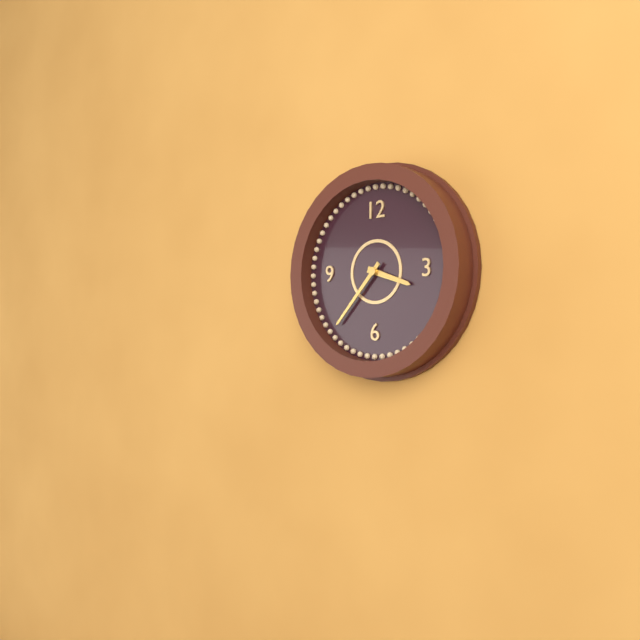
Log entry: 3h37
